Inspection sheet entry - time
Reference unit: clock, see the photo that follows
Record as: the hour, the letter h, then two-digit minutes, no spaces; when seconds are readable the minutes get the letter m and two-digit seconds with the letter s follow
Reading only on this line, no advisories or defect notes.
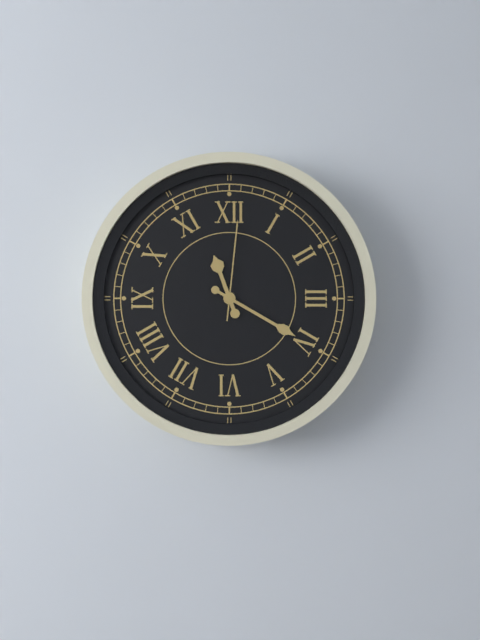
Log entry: 11h20m01s
